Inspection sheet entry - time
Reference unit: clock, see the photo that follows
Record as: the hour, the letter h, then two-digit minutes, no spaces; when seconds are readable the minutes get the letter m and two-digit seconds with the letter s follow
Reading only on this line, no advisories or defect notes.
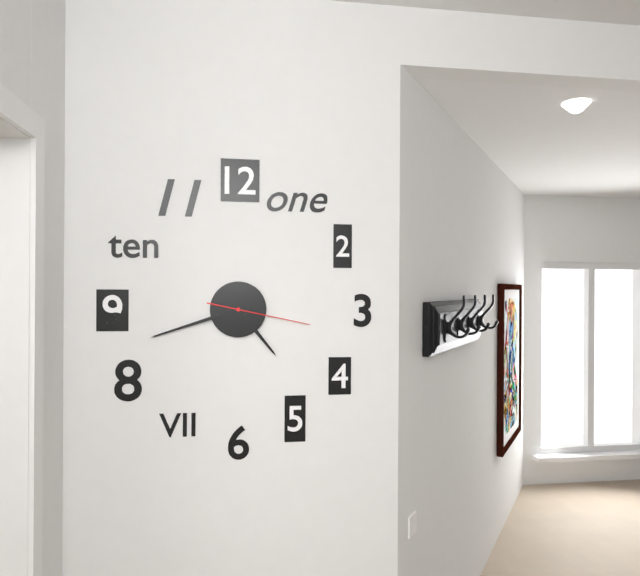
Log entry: 4h42m17s
